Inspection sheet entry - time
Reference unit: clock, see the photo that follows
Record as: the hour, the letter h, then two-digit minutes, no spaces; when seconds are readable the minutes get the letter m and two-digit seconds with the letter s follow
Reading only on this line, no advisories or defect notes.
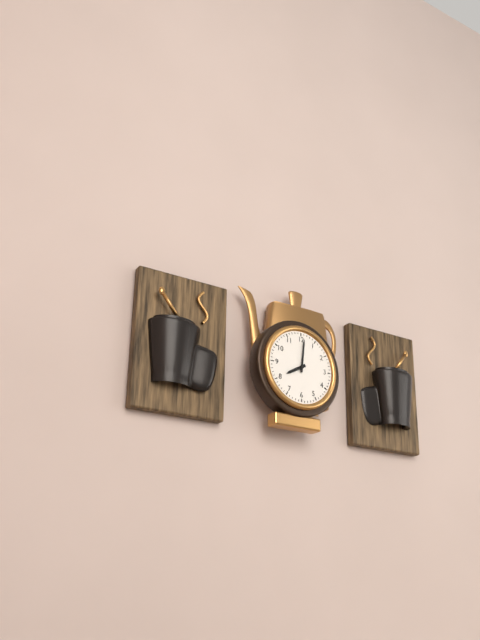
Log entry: 8h01
